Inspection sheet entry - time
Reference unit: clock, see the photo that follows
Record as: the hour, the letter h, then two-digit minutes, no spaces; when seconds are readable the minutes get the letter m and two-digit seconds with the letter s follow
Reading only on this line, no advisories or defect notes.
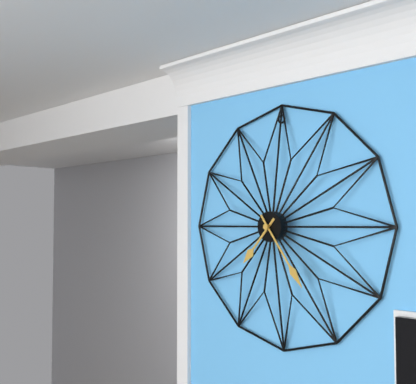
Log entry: 7h24
